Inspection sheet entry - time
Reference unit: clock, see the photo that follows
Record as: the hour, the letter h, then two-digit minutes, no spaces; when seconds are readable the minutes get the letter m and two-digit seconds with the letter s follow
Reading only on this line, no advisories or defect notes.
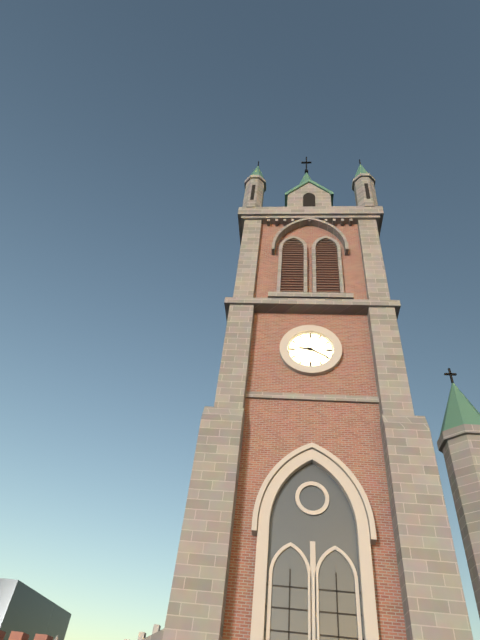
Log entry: 9h20
